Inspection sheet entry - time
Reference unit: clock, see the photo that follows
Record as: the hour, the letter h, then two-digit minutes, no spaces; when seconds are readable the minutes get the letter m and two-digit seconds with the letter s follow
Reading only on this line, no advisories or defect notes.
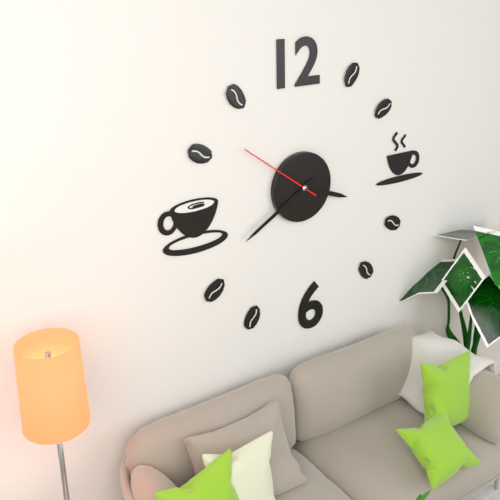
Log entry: 3h40m51s
